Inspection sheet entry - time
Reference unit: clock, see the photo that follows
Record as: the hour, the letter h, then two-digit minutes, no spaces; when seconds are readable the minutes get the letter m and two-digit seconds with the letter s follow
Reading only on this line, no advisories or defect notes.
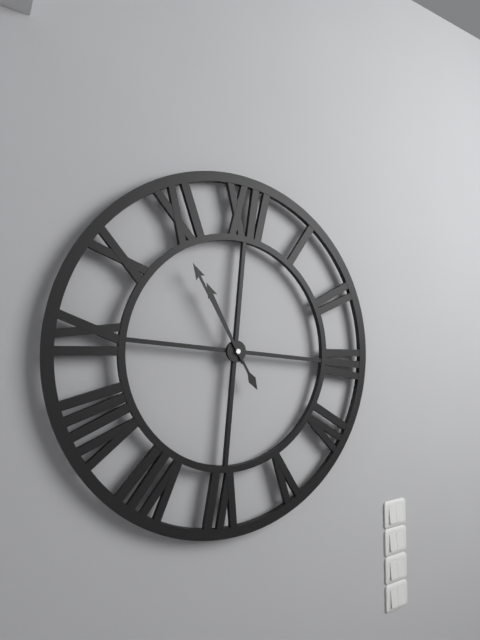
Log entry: 10h54
